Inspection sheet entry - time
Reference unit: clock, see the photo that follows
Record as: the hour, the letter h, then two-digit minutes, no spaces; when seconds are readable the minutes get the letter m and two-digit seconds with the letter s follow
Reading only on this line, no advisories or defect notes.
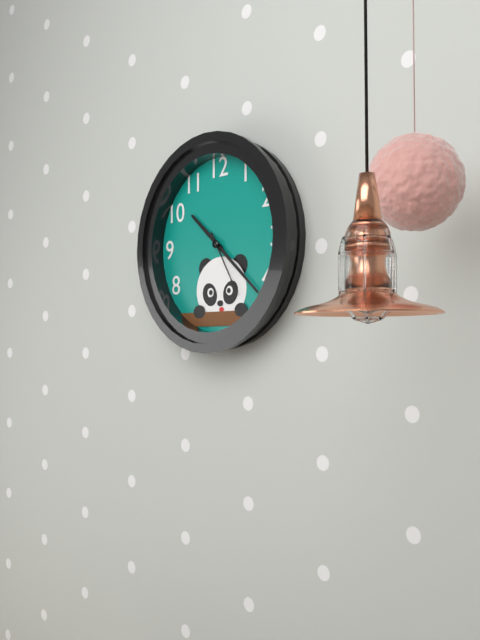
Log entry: 10h22m25s
